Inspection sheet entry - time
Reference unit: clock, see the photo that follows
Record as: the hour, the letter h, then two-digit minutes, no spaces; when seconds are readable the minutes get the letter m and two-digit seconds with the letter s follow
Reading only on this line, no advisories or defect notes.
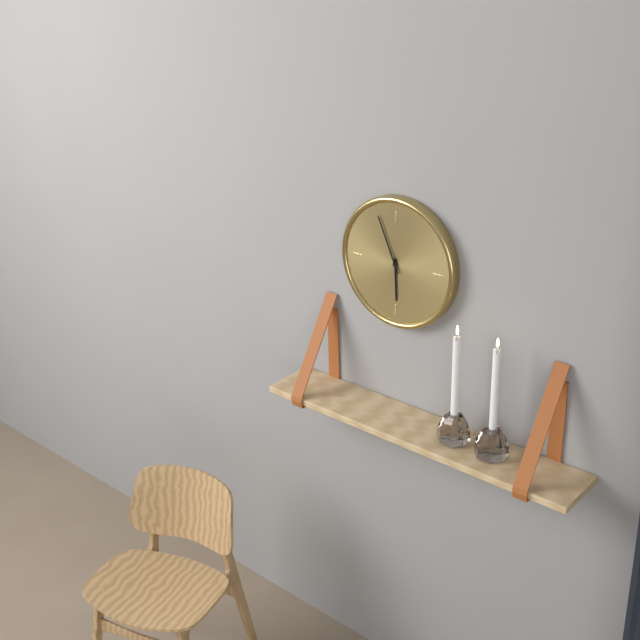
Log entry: 5h56
